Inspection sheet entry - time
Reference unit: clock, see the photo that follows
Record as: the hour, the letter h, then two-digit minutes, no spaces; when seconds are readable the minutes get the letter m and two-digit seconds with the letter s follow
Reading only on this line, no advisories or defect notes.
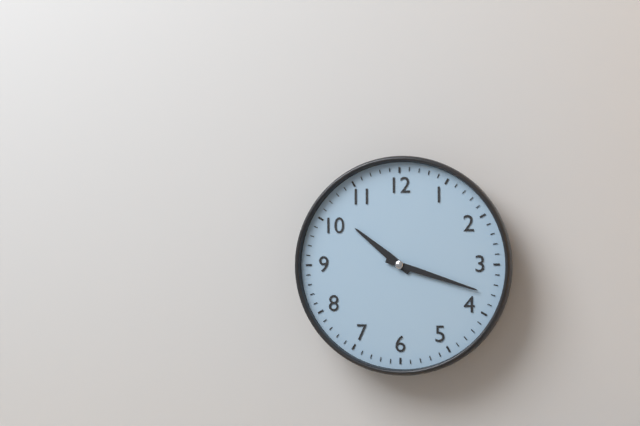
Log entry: 10h18
